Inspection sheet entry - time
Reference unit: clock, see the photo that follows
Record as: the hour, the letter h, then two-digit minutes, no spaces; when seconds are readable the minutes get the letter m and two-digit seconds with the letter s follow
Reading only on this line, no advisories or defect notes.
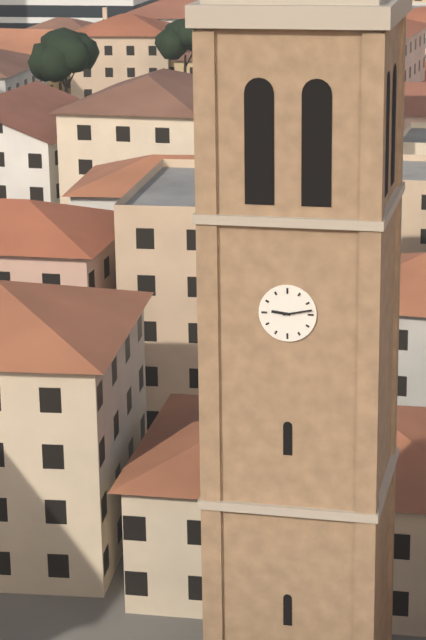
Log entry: 9h13
